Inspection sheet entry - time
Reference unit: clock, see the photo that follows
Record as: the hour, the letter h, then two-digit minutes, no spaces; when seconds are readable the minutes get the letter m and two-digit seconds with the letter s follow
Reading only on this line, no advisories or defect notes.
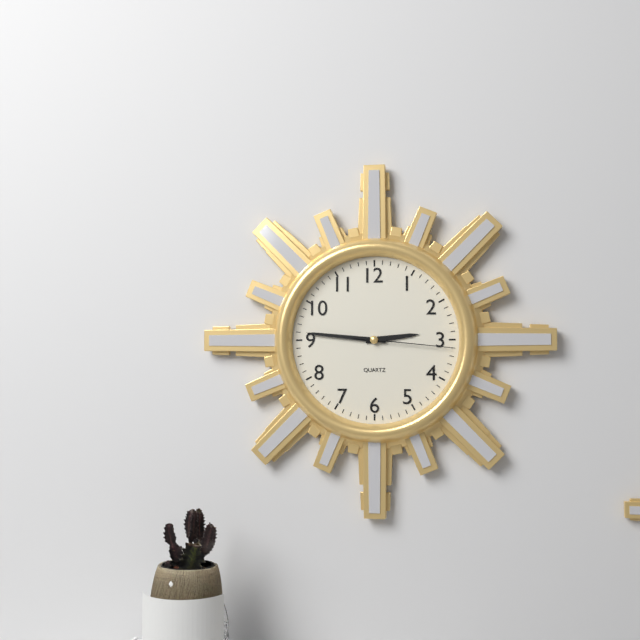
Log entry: 2h46m16s
